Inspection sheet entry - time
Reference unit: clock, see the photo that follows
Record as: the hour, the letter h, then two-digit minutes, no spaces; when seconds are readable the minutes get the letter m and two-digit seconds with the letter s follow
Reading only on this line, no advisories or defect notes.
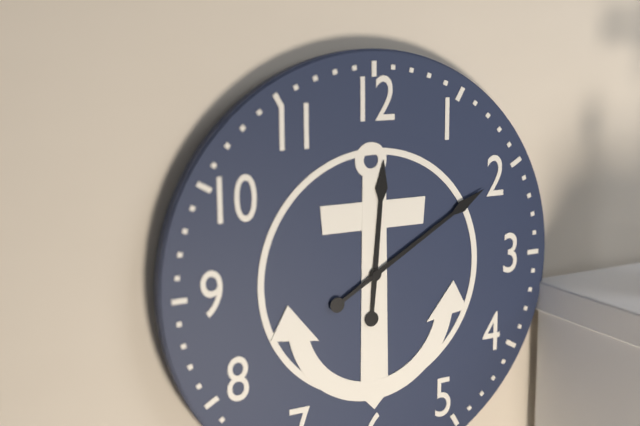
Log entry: 12h10
